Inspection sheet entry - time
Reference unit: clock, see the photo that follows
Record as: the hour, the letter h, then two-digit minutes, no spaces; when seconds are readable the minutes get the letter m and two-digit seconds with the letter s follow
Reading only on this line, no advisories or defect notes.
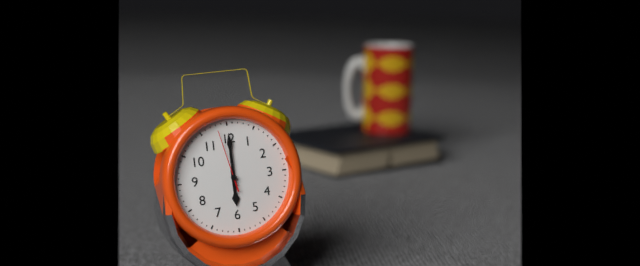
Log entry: 6h00m58s
